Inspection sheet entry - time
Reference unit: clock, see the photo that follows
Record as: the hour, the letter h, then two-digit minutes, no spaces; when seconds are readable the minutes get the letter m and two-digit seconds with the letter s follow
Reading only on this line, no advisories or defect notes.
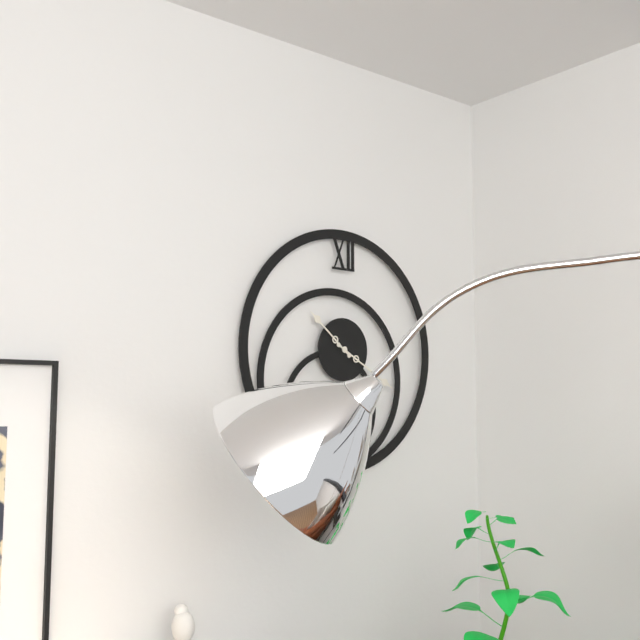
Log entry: 10h20
